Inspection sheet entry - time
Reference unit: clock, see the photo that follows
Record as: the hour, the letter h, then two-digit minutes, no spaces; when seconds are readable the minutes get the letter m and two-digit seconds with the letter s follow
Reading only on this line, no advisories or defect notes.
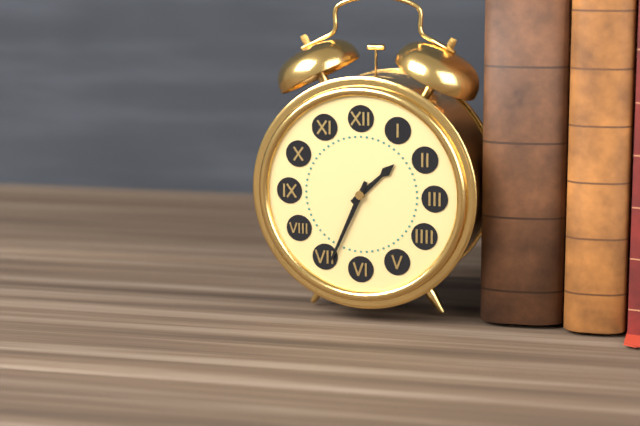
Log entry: 1h34
